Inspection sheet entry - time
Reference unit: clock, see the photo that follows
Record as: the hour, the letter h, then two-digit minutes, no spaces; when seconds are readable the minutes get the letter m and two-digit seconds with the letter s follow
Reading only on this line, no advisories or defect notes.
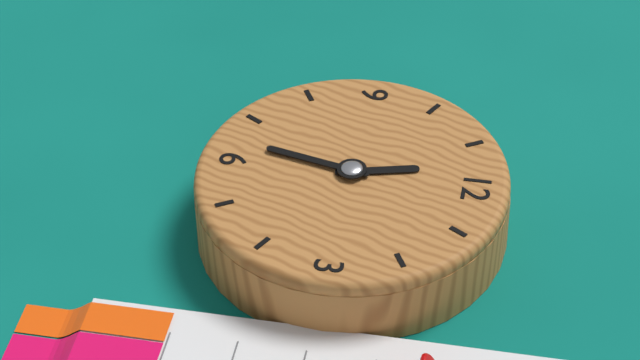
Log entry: 11h32
